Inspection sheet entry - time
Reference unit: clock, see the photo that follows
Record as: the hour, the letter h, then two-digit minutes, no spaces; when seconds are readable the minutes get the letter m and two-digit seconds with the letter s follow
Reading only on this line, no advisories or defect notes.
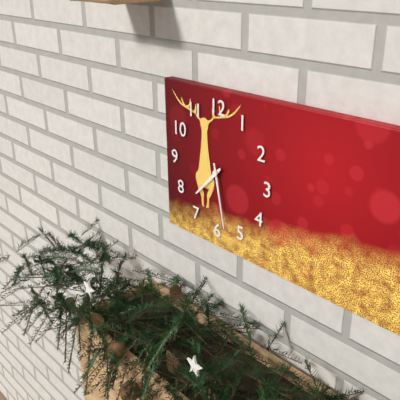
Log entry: 7h28
